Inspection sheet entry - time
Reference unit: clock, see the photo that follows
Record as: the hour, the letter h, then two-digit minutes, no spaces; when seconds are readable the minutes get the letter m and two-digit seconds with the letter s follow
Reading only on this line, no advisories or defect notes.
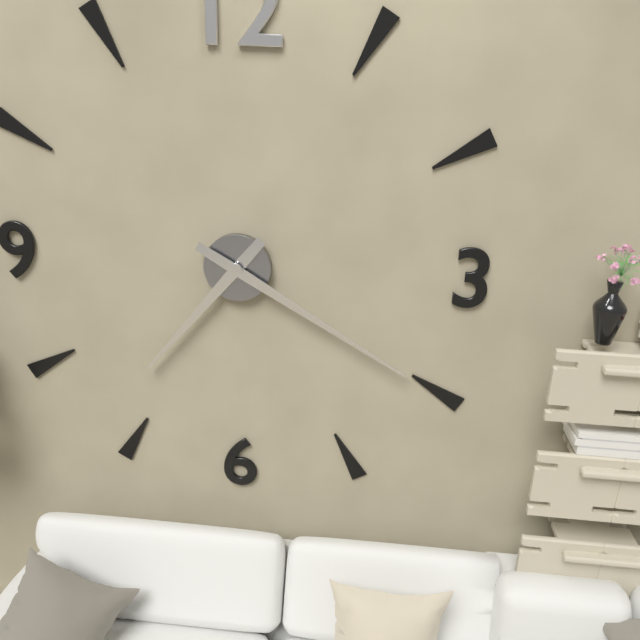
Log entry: 7h20
